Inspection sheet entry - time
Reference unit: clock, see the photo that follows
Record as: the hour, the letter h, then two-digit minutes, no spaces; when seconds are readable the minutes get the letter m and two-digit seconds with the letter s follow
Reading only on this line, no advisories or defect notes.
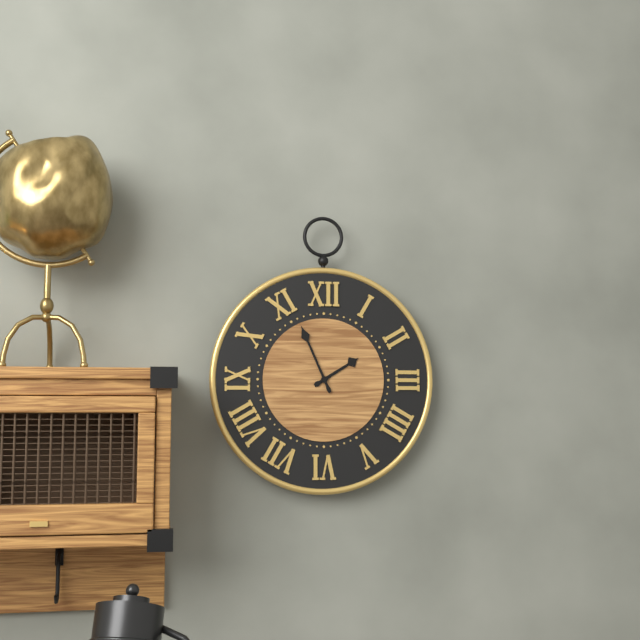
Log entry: 1h56
